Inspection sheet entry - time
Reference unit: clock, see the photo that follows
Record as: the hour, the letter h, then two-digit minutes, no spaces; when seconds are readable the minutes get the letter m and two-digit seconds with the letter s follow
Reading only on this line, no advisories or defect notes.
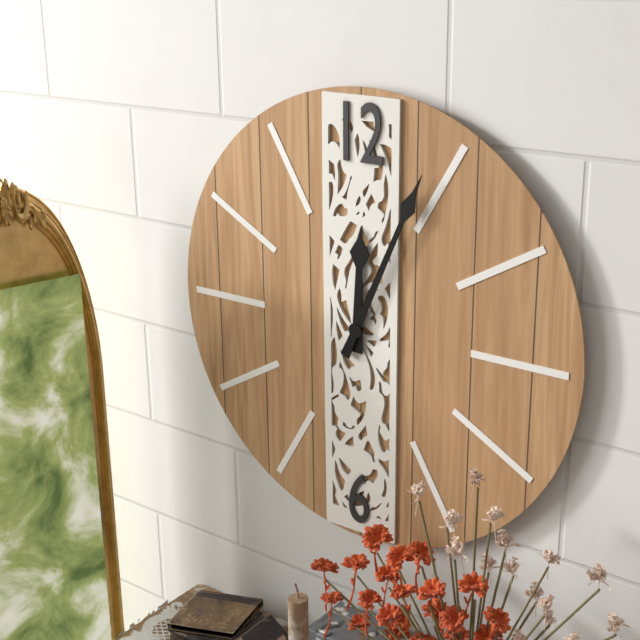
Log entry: 12h04
